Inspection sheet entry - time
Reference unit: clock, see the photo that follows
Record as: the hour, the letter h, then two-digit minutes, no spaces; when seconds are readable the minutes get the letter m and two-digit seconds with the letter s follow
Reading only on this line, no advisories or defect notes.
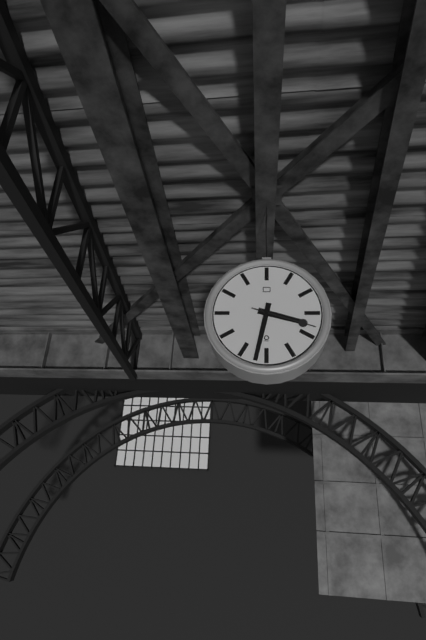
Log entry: 3h32m18s
